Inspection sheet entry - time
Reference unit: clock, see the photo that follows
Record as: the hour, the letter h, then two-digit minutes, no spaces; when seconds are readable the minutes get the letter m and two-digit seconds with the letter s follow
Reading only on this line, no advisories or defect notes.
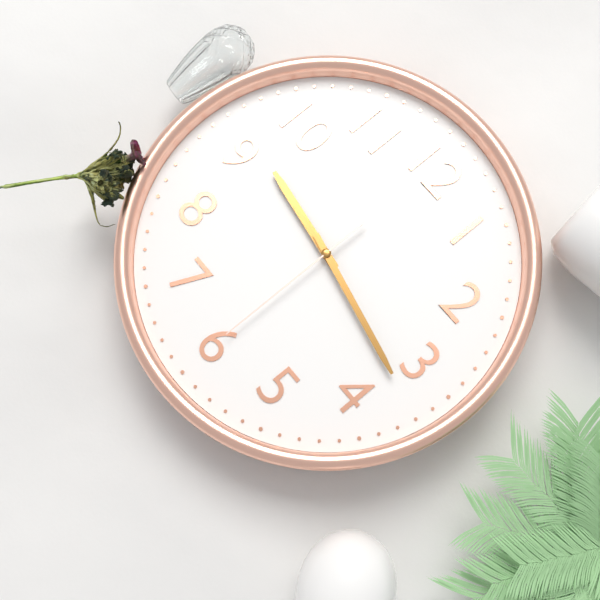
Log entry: 9h17m30s
